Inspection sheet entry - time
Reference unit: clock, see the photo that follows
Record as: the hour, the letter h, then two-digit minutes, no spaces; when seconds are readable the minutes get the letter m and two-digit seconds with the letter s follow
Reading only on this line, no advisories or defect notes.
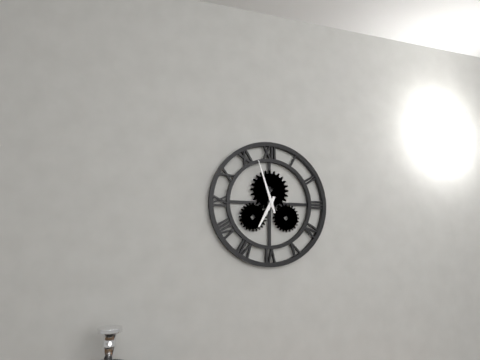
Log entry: 6h57
